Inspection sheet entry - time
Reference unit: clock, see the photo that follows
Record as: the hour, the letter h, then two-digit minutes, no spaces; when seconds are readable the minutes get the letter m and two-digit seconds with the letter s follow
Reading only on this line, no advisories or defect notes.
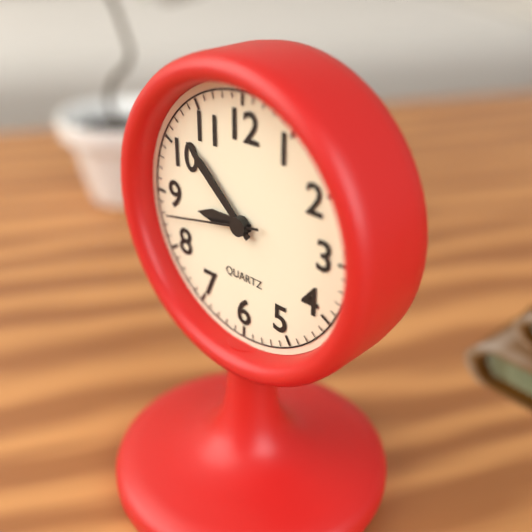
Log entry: 8h52m43s
